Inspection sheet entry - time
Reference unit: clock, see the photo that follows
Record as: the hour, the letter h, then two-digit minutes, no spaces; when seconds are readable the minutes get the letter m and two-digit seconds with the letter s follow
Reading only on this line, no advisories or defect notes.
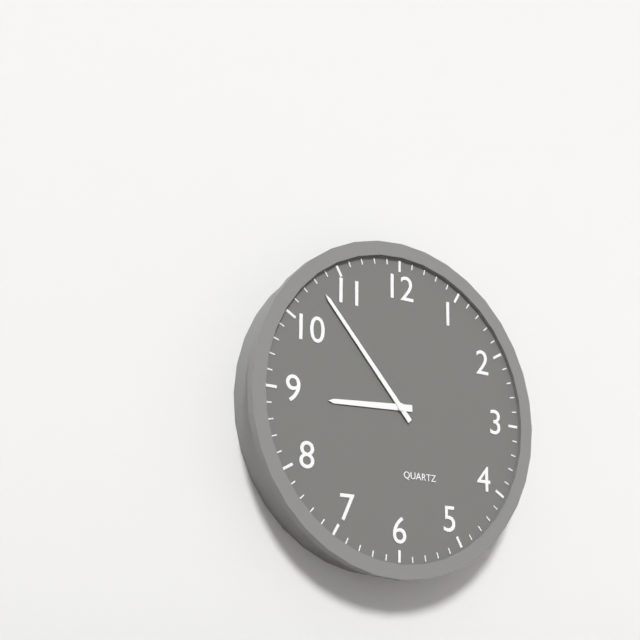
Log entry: 8h53
